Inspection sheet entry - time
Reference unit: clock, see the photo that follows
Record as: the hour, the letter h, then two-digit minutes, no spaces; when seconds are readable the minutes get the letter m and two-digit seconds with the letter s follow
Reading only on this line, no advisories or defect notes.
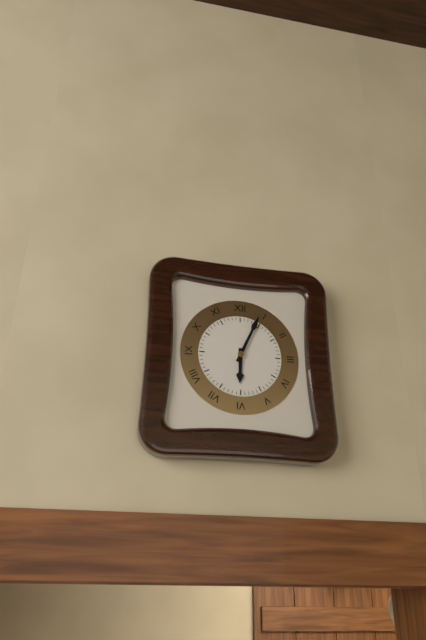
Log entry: 6h04
